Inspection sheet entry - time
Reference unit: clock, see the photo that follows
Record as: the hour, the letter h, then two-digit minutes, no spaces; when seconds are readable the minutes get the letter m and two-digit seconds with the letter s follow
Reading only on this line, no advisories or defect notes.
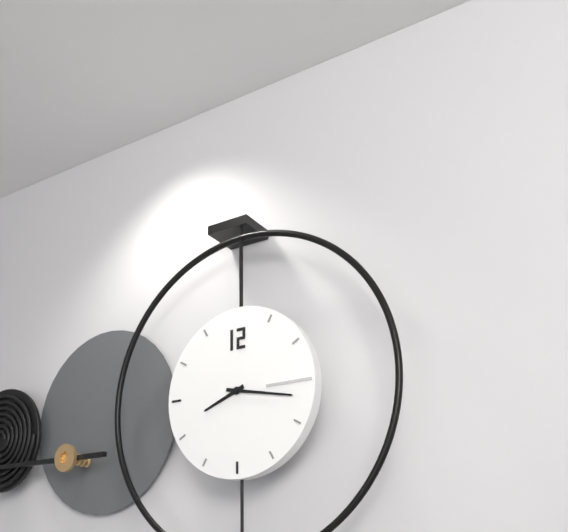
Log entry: 8h17
